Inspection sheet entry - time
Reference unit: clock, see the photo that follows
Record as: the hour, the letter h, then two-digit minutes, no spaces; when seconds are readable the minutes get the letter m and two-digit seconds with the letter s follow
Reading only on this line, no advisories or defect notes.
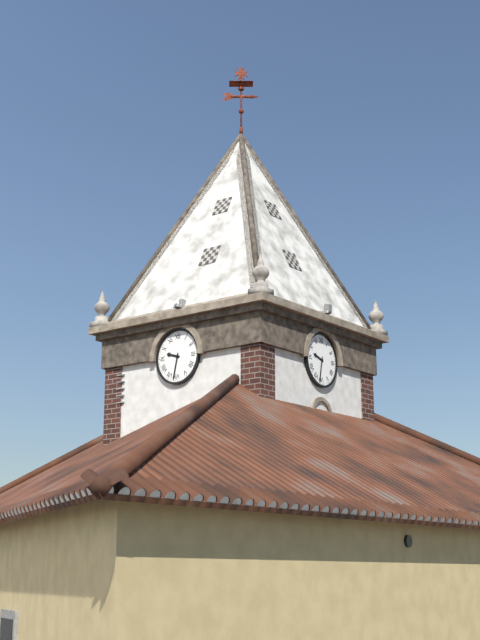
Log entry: 9h32
